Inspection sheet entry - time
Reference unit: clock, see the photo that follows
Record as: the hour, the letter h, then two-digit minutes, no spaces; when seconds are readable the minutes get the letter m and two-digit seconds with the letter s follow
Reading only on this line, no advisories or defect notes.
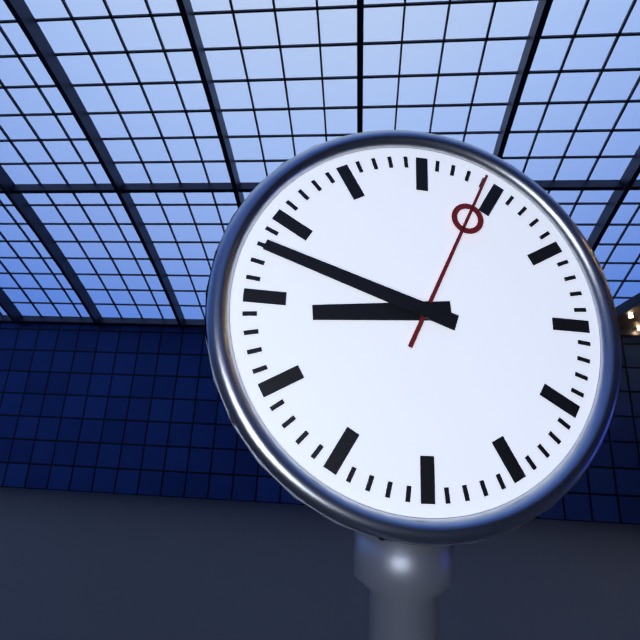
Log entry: 8h48m04s
